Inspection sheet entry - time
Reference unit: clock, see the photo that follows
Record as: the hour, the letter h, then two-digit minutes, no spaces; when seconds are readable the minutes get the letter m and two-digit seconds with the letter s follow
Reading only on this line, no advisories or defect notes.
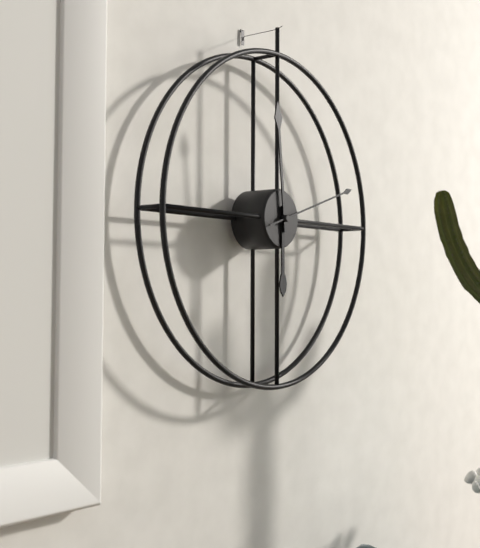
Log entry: 5h59m12s
